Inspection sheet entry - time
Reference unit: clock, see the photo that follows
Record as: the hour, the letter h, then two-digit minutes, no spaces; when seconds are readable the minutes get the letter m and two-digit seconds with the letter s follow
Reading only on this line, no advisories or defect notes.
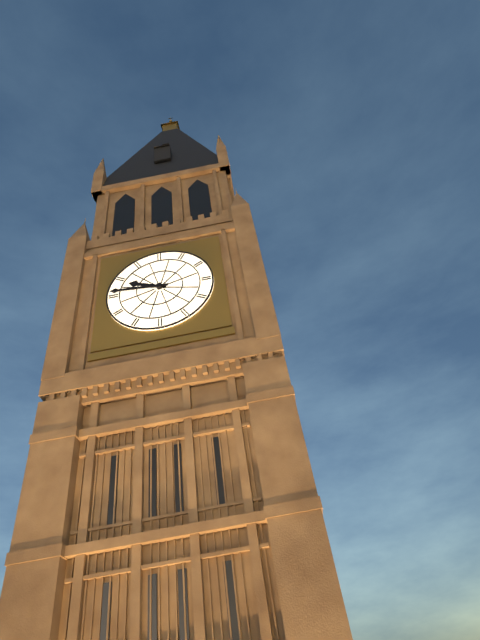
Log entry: 9h46
